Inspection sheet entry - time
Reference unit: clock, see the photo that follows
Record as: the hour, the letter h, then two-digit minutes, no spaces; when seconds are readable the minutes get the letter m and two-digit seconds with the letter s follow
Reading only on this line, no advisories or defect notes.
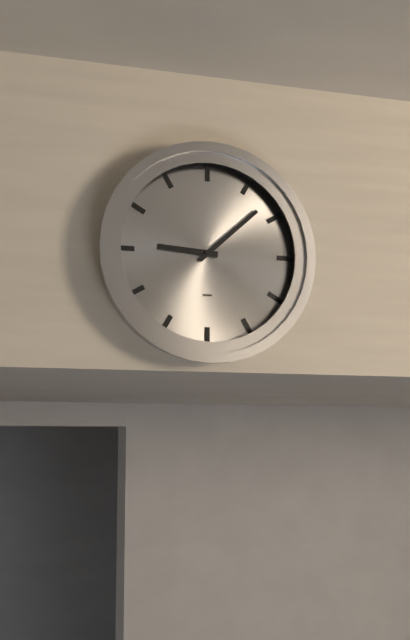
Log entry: 9h08
